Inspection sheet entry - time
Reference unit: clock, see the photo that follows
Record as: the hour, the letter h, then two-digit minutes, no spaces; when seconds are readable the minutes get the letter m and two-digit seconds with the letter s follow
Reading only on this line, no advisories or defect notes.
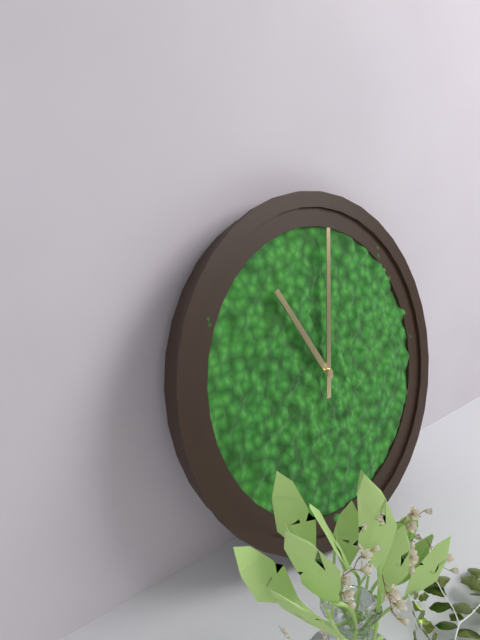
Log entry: 11h02
